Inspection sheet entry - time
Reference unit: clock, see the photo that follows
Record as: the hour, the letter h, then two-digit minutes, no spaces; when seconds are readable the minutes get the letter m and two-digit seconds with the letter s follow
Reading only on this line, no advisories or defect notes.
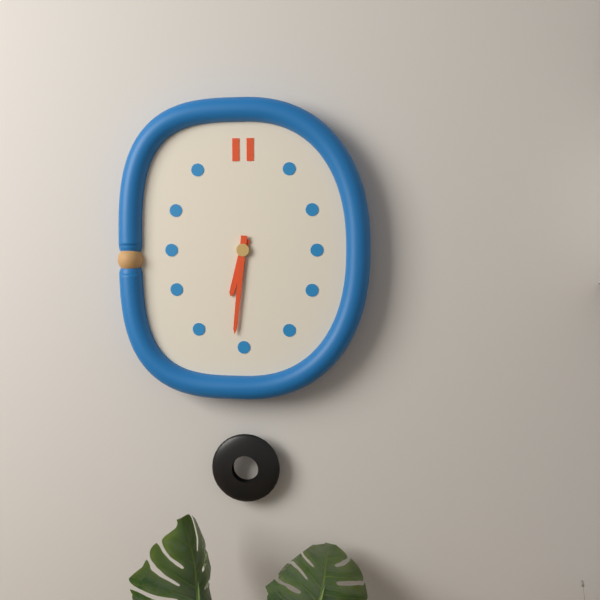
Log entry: 6h31
